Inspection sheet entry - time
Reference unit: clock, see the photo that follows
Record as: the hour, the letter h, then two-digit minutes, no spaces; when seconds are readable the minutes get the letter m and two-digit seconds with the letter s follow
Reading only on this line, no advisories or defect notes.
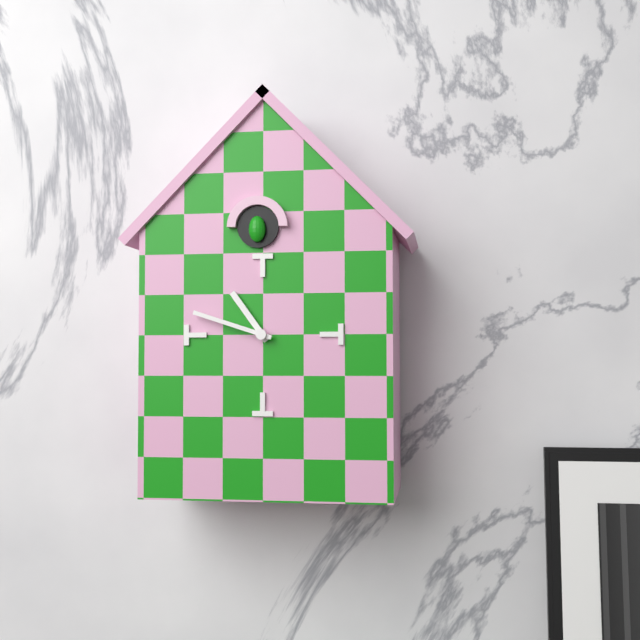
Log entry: 10h48
